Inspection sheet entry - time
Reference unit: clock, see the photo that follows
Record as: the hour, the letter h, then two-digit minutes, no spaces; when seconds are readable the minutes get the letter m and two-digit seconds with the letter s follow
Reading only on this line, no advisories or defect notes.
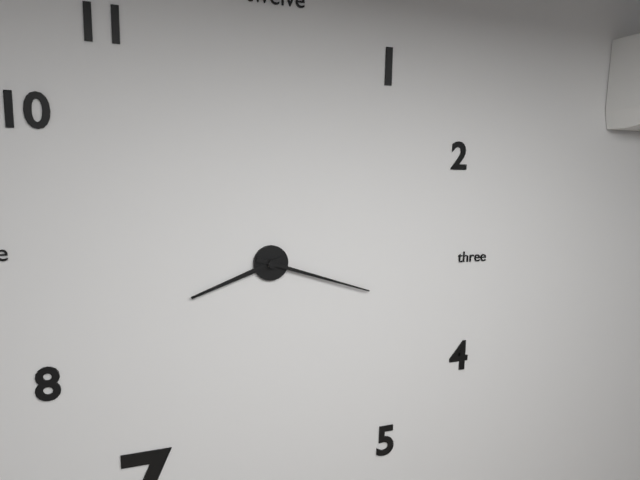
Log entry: 8h18
